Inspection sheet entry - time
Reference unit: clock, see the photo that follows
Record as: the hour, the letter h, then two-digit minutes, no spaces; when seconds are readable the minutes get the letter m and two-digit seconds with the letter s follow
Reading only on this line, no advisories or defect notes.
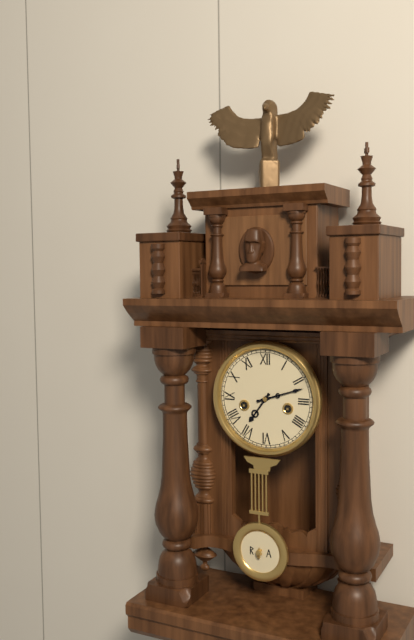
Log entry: 7h12
